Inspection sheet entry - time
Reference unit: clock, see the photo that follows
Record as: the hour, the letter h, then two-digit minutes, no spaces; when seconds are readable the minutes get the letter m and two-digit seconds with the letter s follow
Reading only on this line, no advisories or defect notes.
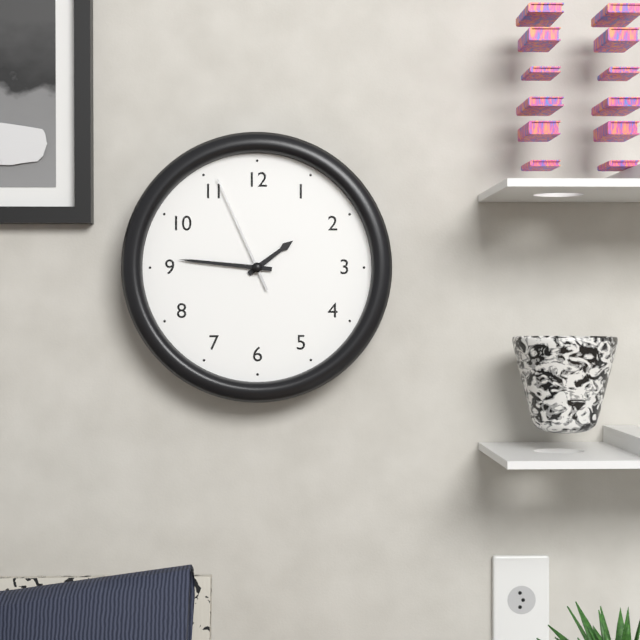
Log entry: 1h46m56s
